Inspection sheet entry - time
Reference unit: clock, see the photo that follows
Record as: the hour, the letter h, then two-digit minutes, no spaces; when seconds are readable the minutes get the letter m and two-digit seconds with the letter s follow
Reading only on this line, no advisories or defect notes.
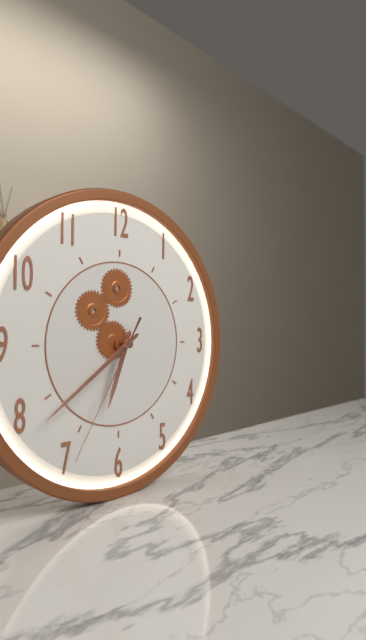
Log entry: 6h39m35s
